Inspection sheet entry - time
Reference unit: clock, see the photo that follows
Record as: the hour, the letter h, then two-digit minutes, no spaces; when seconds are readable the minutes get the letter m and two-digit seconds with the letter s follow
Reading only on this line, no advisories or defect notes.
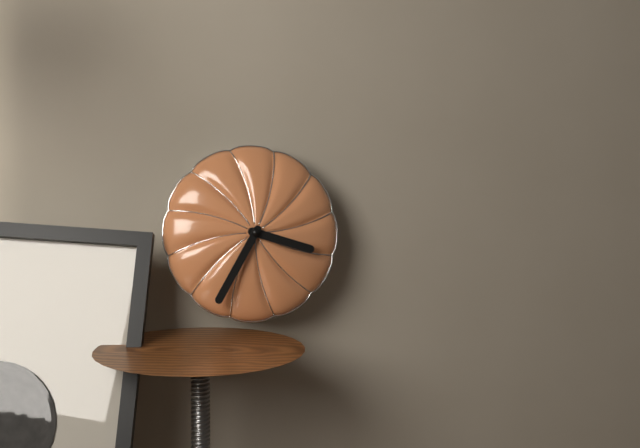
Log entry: 3h35
